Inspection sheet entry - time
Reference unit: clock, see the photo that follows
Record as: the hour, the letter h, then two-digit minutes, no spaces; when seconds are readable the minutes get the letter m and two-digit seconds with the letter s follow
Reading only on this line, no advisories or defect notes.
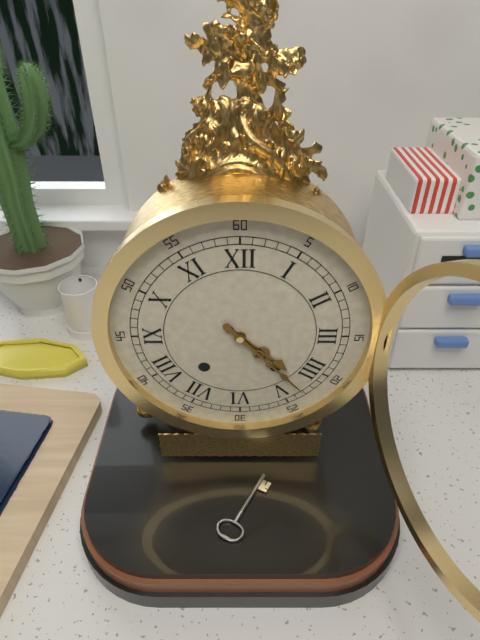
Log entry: 4h23
